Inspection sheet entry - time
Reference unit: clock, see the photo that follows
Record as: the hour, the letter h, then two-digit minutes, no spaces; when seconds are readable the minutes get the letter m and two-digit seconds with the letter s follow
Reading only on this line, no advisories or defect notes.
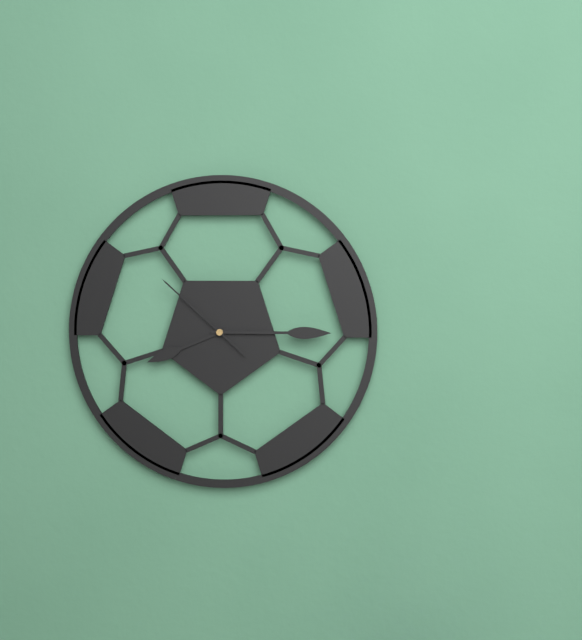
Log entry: 8h15m52s
